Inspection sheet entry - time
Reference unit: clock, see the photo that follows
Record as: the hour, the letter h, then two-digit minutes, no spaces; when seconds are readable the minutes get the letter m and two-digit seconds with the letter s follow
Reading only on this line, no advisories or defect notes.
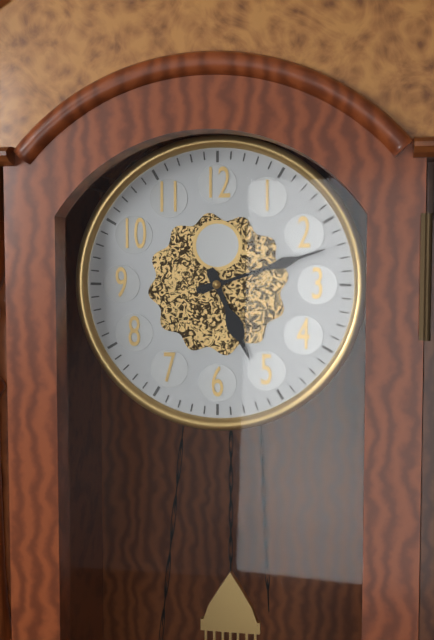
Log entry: 5h12
